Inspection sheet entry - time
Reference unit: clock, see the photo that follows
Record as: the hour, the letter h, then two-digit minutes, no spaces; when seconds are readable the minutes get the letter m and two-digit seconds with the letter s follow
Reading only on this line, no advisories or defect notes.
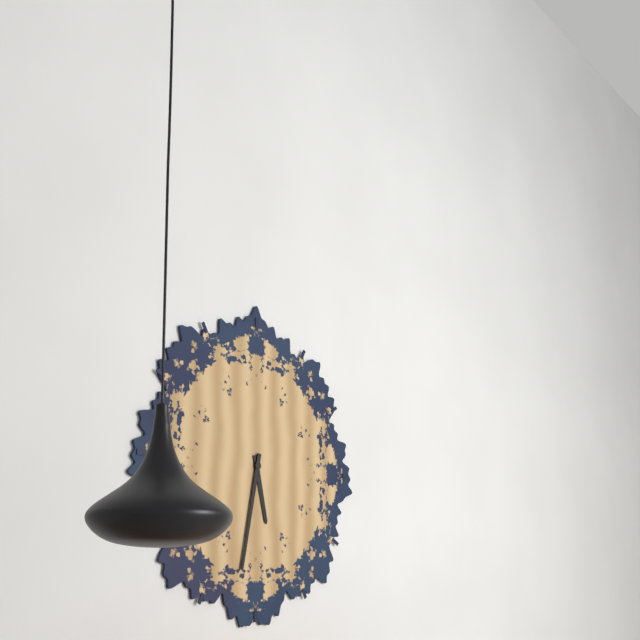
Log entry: 5h32
